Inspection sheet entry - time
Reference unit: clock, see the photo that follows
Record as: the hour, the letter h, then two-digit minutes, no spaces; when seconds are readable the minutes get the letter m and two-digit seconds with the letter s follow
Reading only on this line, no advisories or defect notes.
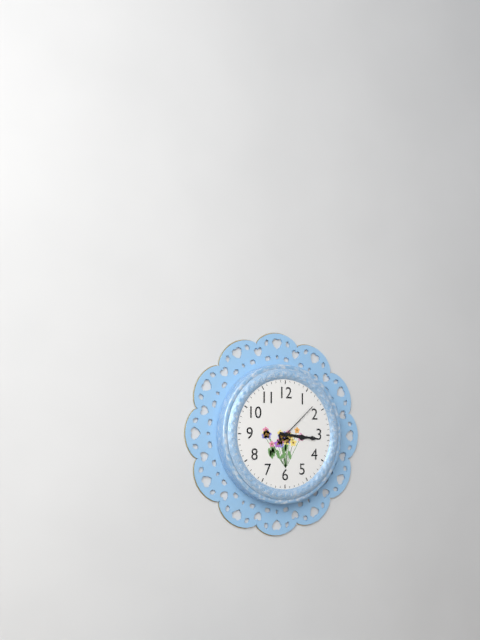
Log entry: 3h16
